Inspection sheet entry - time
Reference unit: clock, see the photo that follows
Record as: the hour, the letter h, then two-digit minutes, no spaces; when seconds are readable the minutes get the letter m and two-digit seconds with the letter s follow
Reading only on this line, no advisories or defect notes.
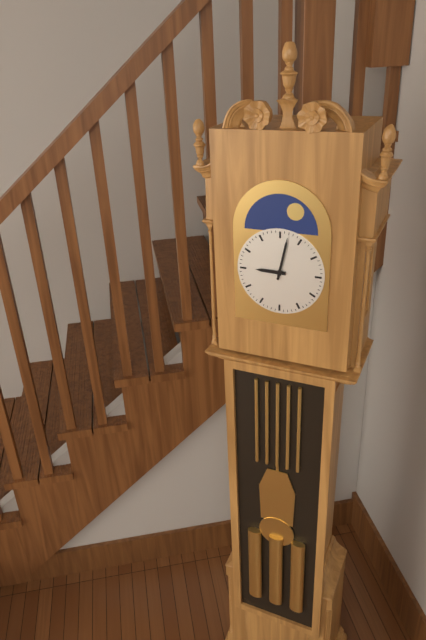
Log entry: 9h02
